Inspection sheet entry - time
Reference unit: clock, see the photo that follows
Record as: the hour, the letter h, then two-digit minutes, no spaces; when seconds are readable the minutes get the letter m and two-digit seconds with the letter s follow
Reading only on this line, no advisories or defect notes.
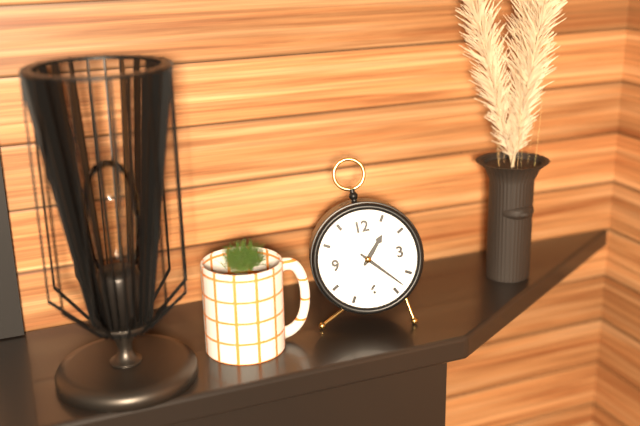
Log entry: 1h23
